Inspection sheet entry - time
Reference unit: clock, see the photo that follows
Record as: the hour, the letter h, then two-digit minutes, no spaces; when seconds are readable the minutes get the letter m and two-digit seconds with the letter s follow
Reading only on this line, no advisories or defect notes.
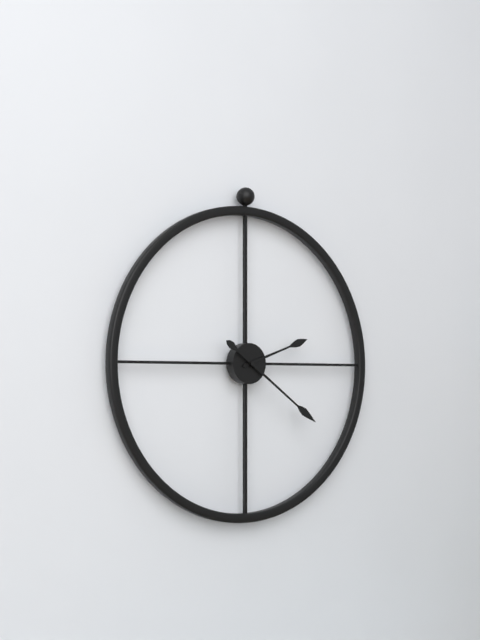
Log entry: 2h21
